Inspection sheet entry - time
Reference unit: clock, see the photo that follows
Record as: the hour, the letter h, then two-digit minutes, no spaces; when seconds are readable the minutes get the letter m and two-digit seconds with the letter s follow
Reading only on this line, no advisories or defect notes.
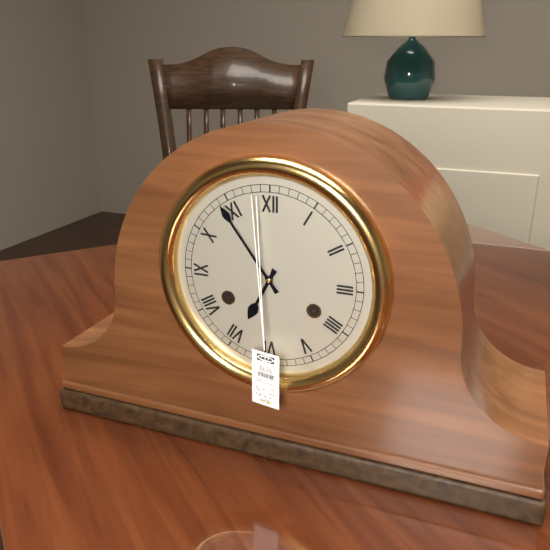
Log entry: 6h54
